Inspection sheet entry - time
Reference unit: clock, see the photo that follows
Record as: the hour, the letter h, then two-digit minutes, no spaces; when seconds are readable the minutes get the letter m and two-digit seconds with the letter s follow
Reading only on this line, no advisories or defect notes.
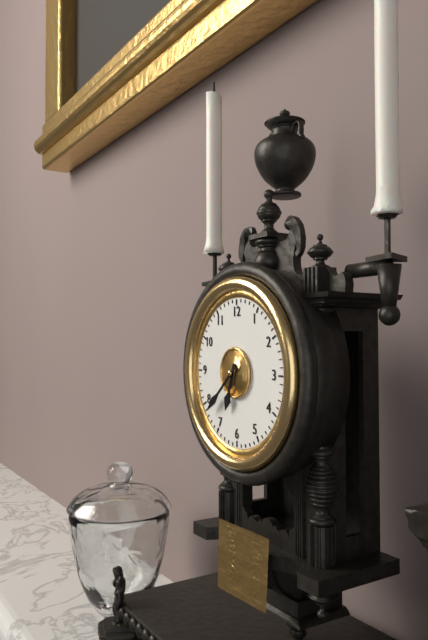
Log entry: 6h38
